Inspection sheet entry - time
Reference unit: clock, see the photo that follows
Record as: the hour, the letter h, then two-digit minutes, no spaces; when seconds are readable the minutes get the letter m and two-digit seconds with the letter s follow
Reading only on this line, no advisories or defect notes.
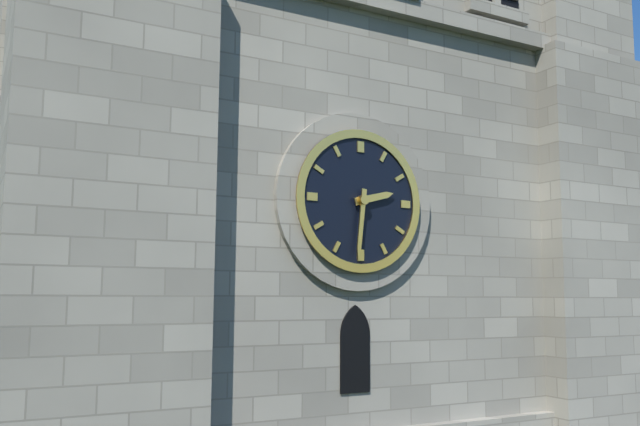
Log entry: 2h31
